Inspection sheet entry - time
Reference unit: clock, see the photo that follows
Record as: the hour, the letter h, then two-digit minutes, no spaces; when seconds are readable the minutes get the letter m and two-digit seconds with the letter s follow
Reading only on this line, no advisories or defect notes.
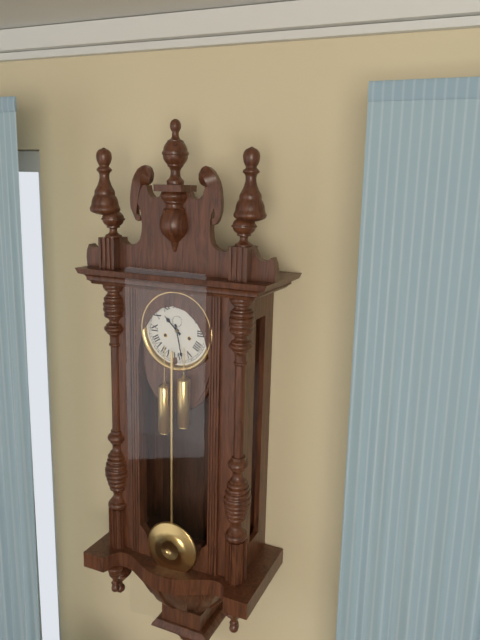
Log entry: 10h28
